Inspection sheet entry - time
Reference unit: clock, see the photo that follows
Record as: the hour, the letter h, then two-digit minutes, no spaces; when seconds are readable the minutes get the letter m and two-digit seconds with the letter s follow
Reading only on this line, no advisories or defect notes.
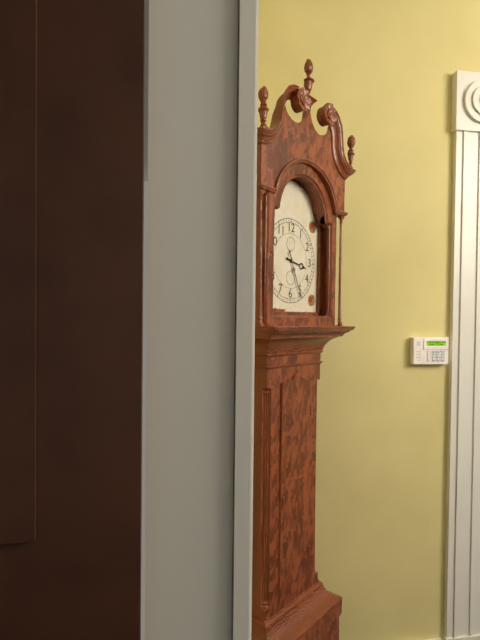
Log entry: 3h26
